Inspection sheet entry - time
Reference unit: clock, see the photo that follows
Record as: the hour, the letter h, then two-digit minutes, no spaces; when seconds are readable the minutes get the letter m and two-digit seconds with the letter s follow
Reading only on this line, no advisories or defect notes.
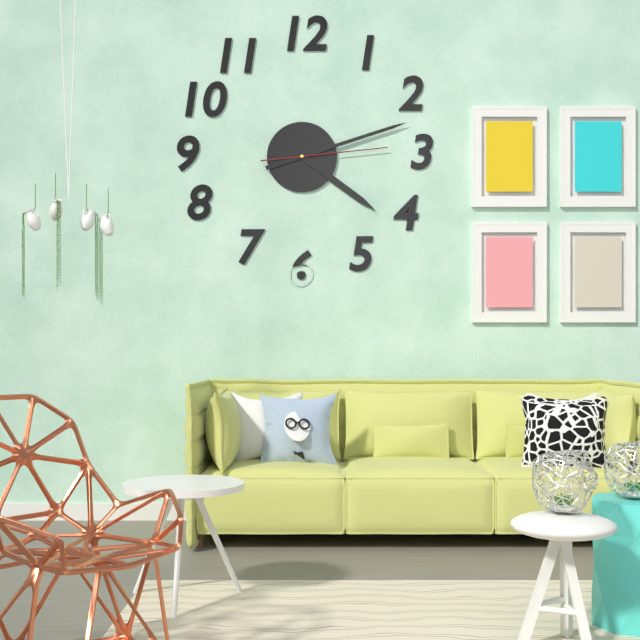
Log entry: 4h12m14s
